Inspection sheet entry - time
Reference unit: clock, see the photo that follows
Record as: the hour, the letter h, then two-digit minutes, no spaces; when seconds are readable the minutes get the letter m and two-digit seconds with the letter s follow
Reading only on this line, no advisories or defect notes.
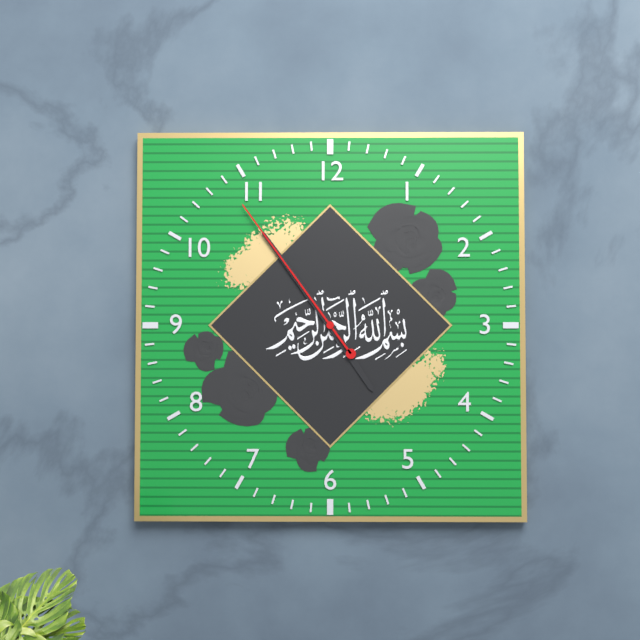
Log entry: 4h54m54s
